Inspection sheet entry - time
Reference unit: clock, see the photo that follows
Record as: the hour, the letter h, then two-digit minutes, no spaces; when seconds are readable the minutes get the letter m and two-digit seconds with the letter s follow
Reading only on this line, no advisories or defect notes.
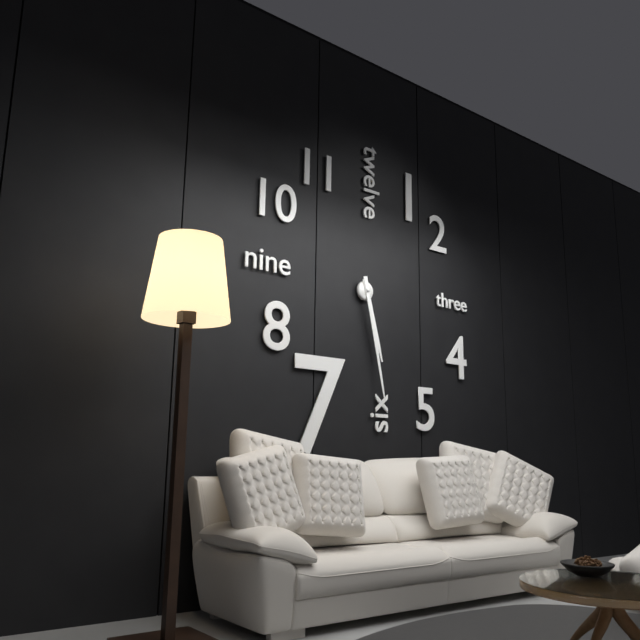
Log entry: 5h28
